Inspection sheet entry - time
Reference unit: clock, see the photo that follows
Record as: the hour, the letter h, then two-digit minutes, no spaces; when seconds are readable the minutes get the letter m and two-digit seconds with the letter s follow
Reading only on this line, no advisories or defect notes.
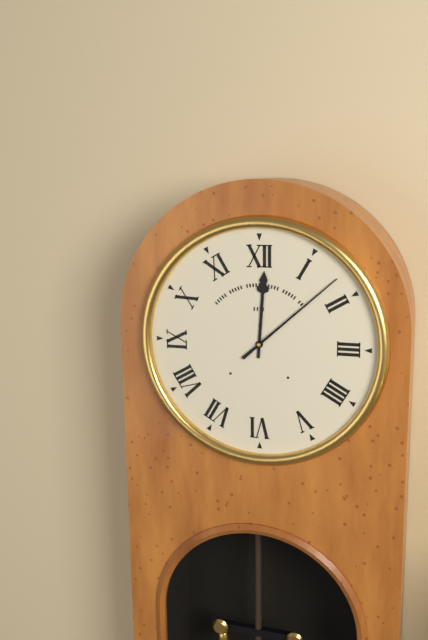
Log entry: 12h08
